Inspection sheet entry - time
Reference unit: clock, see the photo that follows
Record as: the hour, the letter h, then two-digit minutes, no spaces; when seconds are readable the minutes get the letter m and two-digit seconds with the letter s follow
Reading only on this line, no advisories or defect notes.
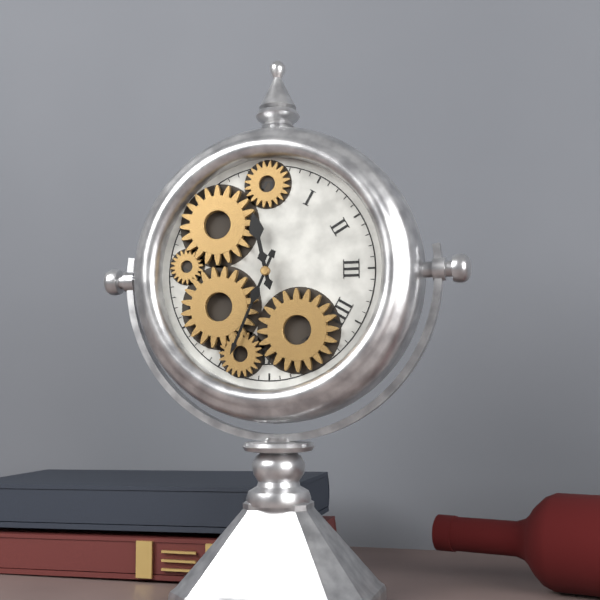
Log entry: 11h34
